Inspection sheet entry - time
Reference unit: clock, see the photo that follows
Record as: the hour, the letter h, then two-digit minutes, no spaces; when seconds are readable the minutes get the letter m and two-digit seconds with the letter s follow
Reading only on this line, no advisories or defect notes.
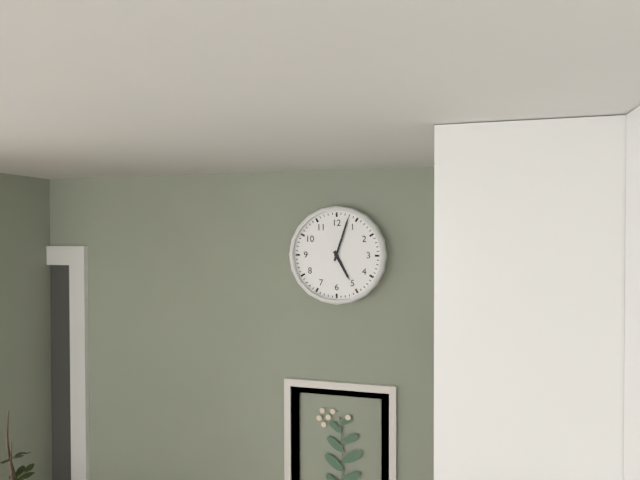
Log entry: 5h03
